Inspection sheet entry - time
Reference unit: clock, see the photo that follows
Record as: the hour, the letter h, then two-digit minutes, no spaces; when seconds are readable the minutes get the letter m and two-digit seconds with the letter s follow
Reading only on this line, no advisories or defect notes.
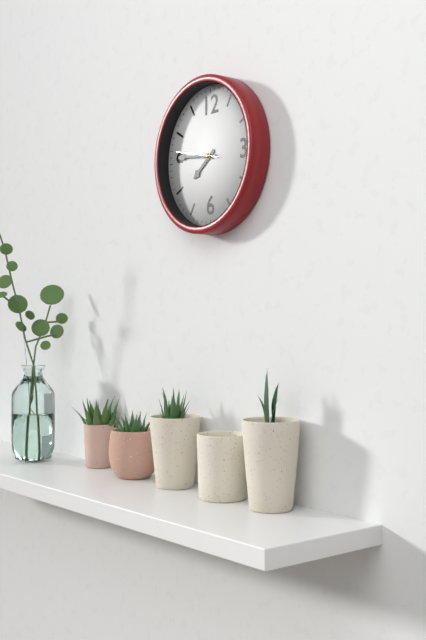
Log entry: 7h46m47s
